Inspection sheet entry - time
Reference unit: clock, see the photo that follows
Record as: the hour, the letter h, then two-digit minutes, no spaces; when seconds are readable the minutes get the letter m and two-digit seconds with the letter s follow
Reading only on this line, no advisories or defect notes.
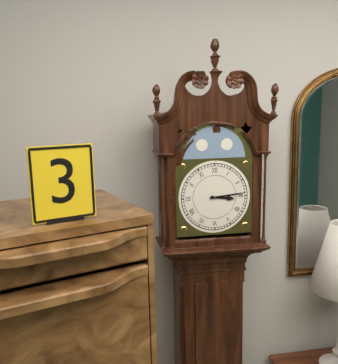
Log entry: 3h14
